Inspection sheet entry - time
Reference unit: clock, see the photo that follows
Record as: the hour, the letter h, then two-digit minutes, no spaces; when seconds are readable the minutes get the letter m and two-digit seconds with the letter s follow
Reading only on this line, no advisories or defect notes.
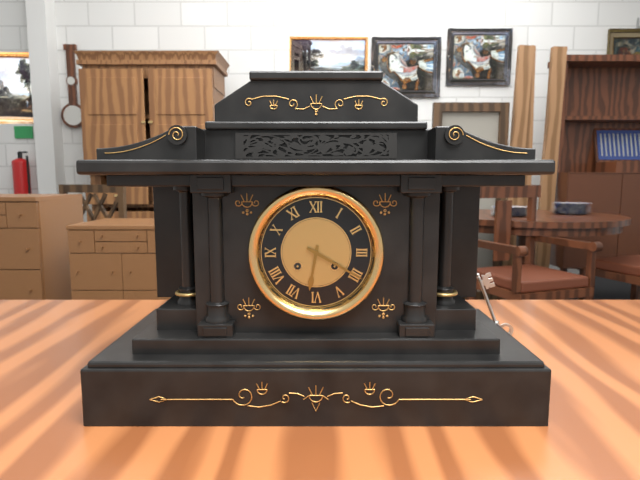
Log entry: 6h20
